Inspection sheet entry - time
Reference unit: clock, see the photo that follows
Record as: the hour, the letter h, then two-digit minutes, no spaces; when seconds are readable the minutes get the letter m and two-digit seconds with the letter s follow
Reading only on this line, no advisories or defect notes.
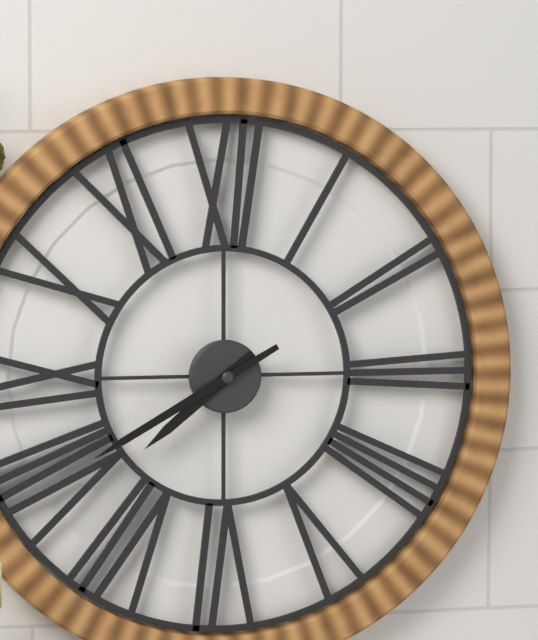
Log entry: 7h40
